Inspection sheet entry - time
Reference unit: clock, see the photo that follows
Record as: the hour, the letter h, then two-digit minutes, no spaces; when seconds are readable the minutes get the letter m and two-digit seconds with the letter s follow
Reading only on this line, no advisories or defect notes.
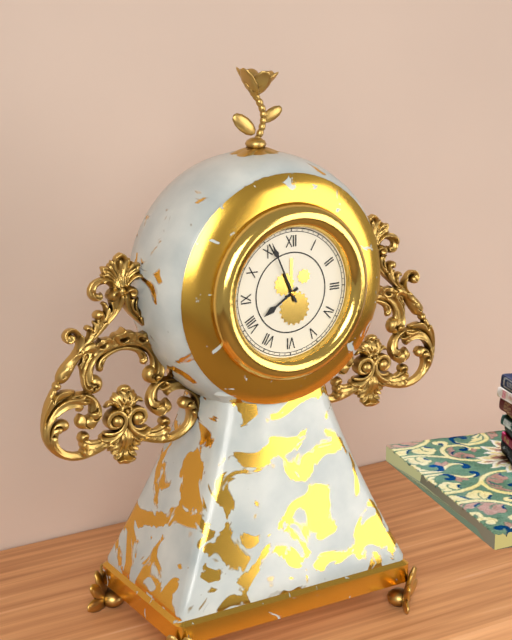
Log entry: 7h56
